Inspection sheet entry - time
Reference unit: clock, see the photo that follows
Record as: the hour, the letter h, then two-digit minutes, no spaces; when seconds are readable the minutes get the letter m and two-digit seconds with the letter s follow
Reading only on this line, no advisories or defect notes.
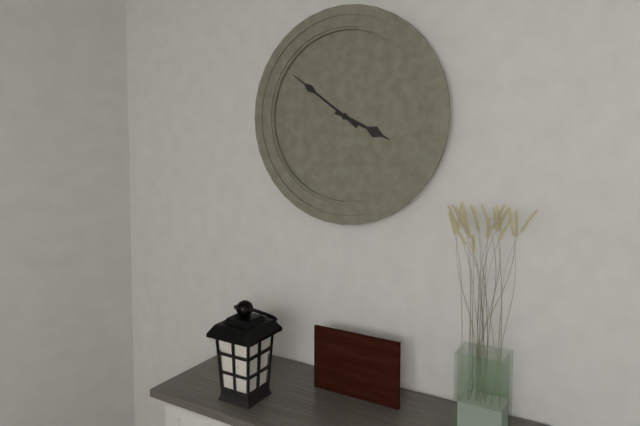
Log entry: 3h51
